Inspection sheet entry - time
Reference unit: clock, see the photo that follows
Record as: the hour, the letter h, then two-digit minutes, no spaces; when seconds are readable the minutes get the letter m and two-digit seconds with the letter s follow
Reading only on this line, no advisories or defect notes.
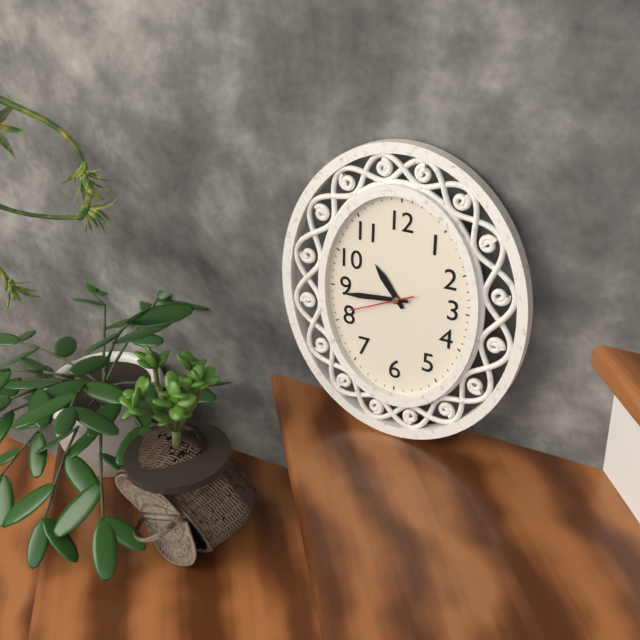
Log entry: 10h44m41s
